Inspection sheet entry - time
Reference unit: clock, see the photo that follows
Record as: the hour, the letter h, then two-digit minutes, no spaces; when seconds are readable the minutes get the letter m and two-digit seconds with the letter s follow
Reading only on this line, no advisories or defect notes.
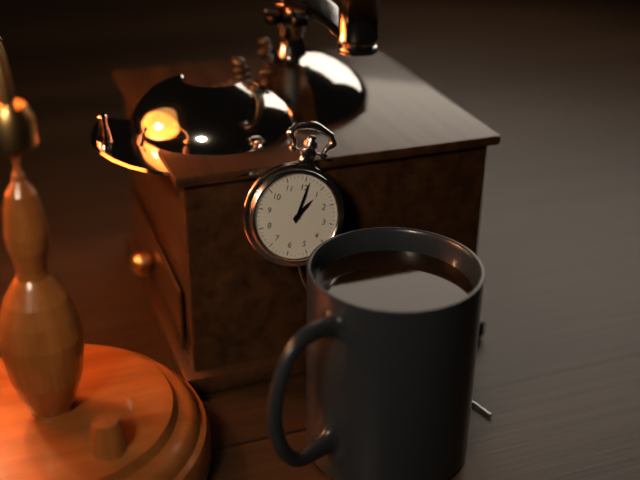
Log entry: 1h01
